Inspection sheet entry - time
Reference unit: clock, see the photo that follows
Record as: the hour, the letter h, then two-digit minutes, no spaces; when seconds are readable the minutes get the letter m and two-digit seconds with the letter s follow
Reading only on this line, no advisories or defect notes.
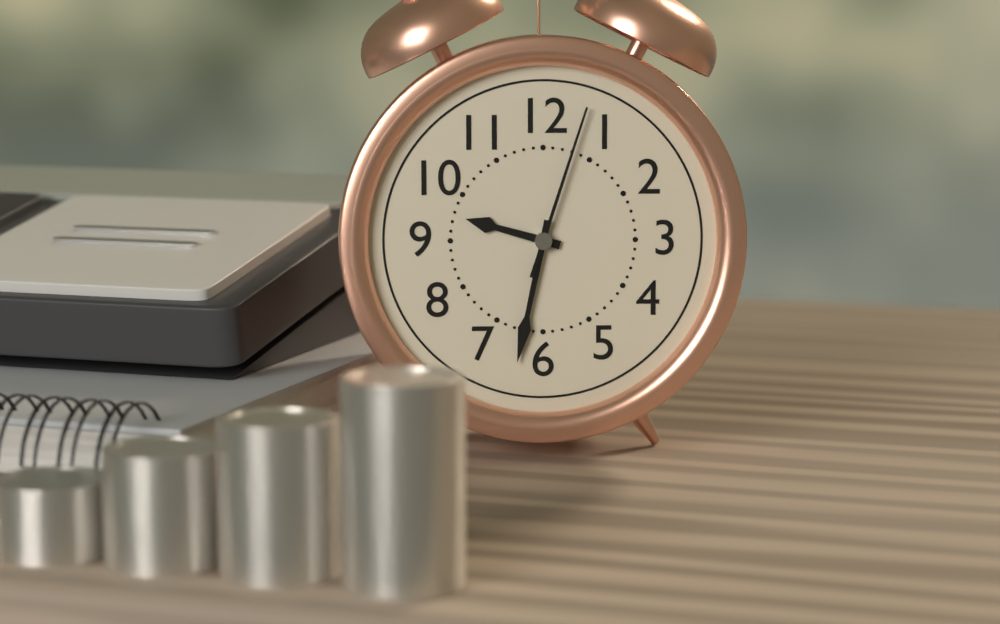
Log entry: 9h32m03s
